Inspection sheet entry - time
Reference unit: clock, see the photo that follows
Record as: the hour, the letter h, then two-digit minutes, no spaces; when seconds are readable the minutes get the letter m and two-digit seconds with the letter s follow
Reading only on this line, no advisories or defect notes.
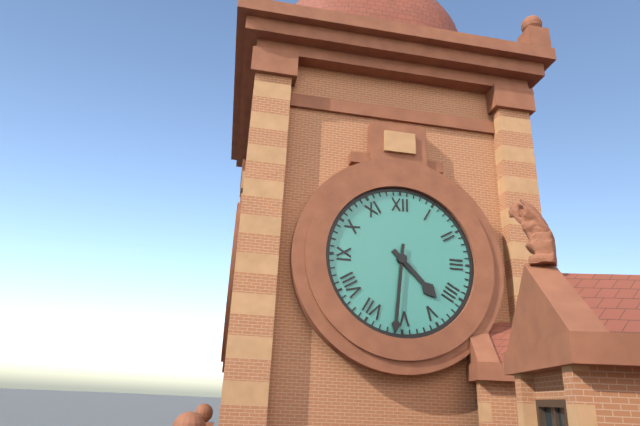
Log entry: 4h31
